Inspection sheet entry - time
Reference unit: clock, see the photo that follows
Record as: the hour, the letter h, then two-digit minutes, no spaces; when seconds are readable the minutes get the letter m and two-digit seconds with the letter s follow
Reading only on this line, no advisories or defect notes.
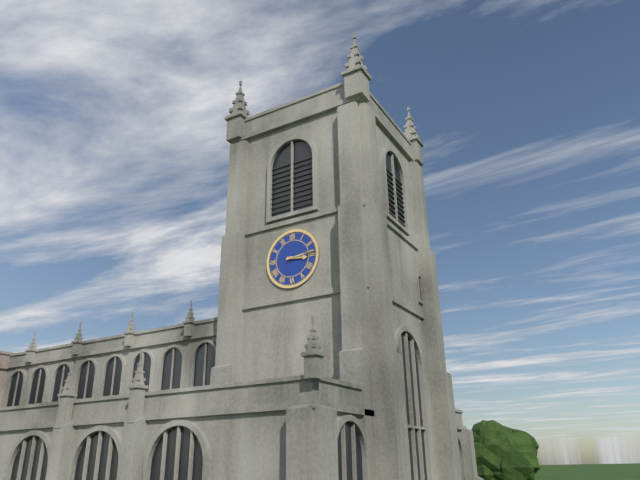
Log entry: 3h14
